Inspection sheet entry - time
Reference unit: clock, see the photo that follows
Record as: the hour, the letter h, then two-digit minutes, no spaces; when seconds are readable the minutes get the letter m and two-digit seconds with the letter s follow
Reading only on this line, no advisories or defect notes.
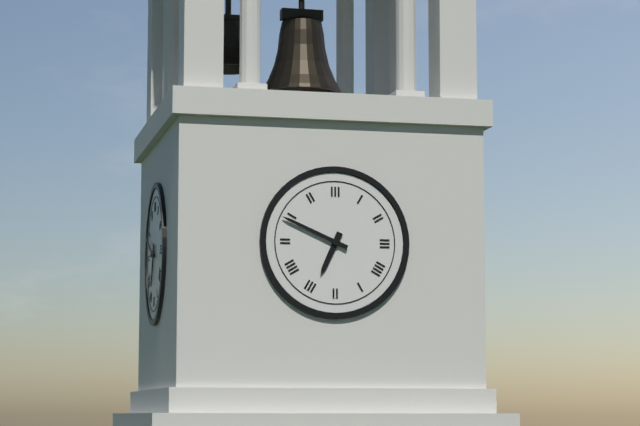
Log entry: 6h49
